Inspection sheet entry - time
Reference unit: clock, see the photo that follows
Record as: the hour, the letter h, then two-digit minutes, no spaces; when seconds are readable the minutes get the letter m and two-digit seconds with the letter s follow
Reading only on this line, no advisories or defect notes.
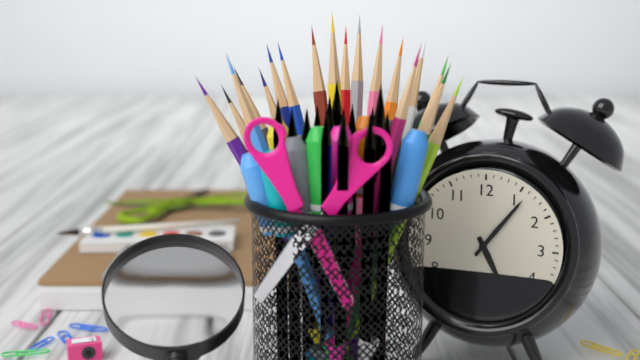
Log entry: 5h06
